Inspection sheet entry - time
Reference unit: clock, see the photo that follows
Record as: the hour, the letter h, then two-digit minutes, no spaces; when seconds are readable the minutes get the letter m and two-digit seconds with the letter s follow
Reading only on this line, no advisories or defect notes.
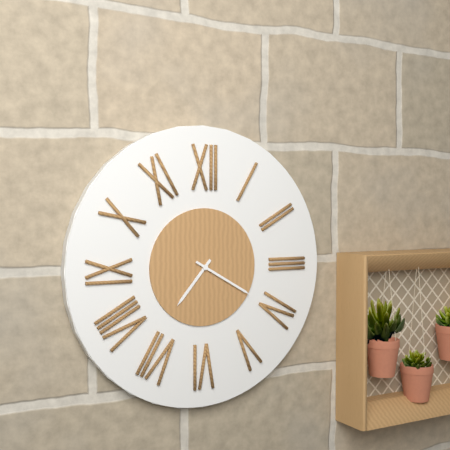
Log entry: 7h20
